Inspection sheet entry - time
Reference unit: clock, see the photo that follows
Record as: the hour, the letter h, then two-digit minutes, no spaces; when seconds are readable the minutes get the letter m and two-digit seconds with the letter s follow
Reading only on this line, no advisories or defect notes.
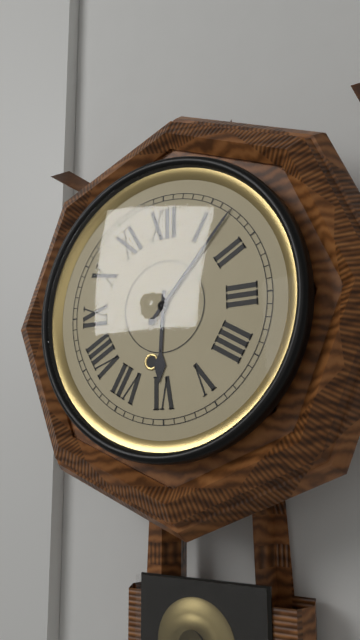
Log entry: 6h07
